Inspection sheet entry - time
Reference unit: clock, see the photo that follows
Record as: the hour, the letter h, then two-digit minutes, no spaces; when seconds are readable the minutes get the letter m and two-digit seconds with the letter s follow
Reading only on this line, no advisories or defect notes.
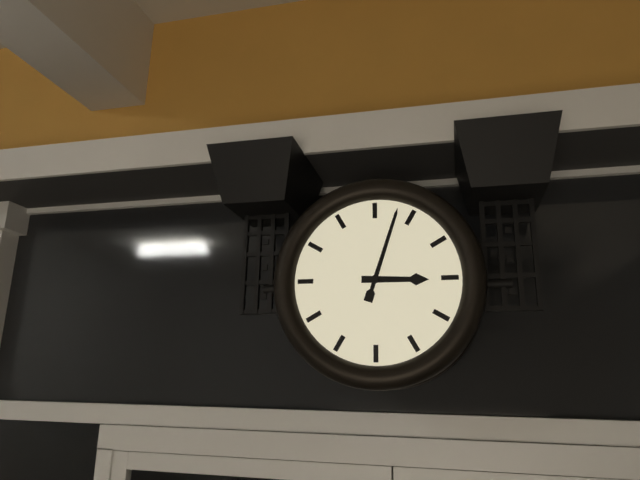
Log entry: 3h03
